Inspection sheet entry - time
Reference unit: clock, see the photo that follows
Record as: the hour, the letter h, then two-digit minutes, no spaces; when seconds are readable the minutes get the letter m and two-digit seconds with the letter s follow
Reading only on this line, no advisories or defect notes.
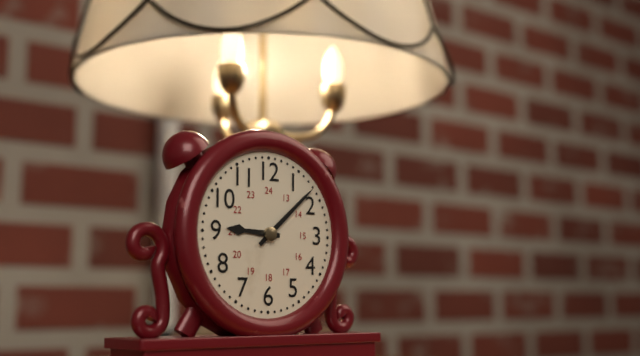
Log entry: 9h08
